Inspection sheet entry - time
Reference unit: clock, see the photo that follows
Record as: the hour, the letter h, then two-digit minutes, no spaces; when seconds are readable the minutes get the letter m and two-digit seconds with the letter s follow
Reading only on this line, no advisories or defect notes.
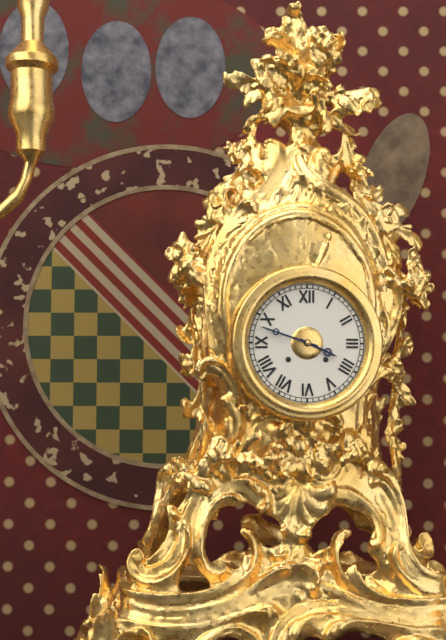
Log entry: 3h48
